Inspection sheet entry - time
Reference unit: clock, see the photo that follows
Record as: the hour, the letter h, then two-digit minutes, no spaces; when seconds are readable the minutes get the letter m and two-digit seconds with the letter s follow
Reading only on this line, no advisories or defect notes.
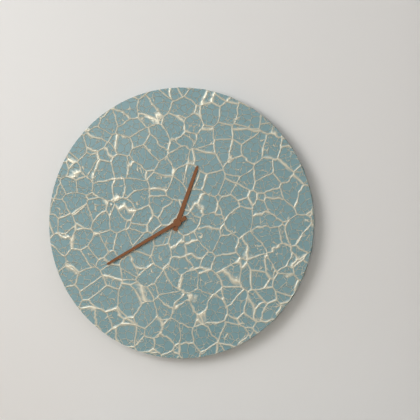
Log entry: 12h40
